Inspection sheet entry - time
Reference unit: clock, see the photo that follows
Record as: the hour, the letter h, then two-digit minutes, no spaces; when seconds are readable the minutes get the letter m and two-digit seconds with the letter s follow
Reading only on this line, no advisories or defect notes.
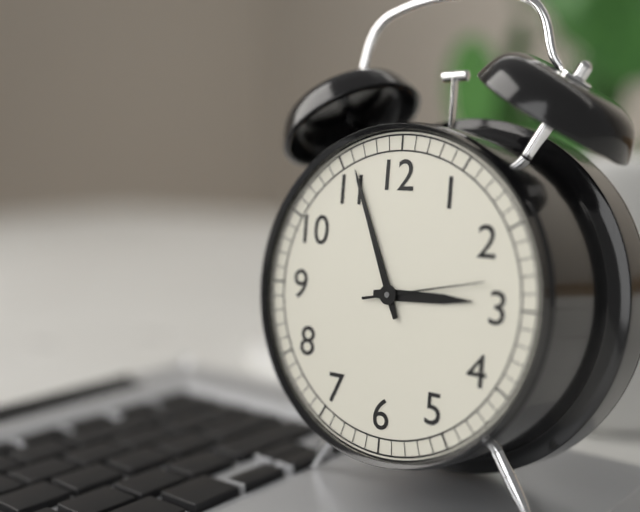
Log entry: 2h56m13s
